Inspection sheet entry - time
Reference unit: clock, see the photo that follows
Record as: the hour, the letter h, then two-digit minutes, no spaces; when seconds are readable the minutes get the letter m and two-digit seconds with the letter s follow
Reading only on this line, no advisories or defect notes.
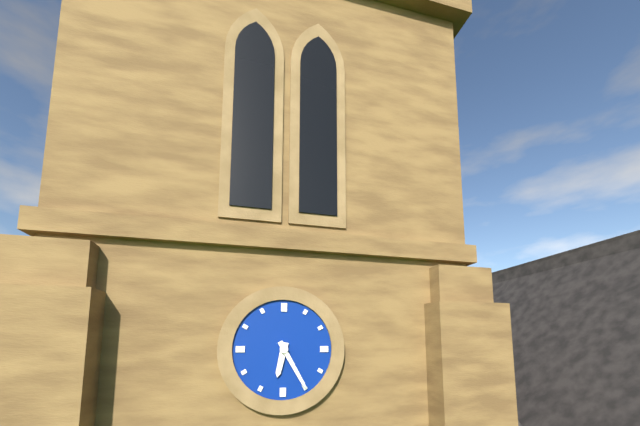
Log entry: 6h25
